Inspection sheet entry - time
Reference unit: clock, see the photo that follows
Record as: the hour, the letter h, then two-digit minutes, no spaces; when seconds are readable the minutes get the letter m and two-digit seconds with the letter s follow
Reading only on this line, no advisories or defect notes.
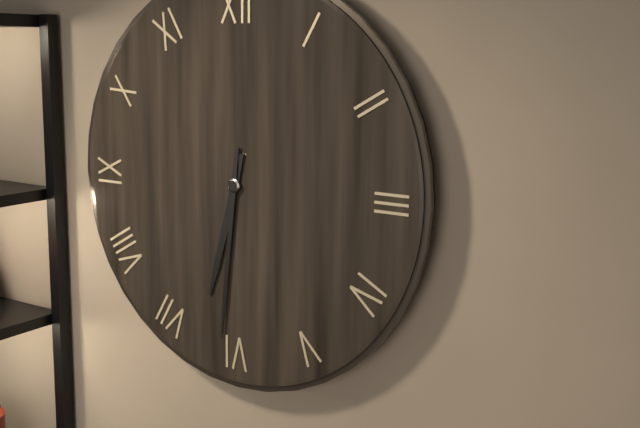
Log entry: 6h31
